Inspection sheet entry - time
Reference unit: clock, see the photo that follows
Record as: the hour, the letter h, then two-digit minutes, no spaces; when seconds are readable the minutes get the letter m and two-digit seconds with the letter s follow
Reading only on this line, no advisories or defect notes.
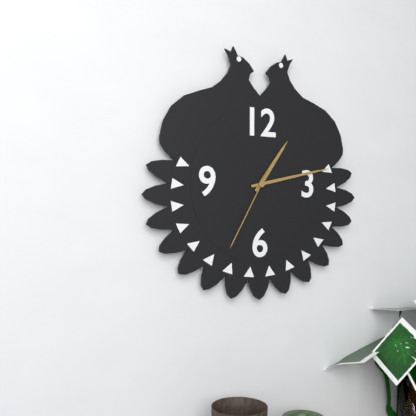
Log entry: 1h13m35s
